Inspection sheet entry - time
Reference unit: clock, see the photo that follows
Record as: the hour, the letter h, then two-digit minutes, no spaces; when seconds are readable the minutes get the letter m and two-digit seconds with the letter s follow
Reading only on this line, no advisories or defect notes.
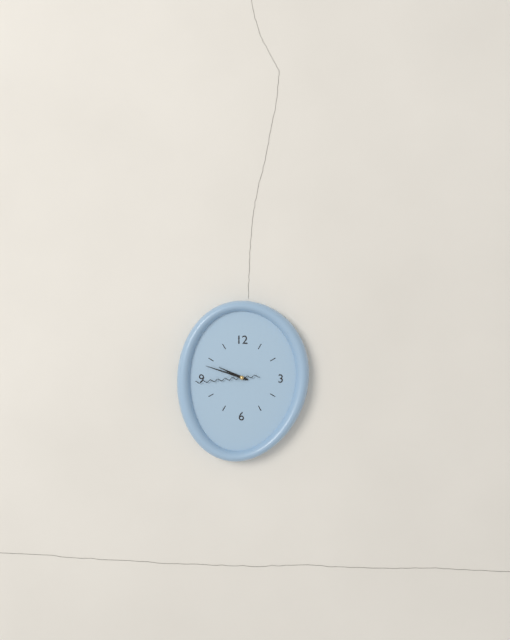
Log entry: 9h48m44s
